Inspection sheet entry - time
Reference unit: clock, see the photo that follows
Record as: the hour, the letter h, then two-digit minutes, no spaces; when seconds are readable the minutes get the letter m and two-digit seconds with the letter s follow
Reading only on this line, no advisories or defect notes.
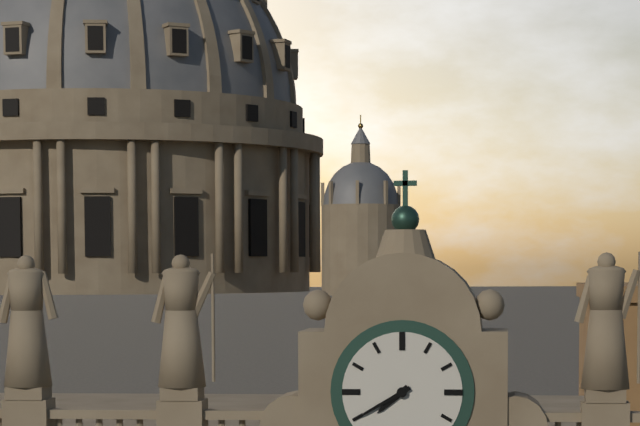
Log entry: 7h40
